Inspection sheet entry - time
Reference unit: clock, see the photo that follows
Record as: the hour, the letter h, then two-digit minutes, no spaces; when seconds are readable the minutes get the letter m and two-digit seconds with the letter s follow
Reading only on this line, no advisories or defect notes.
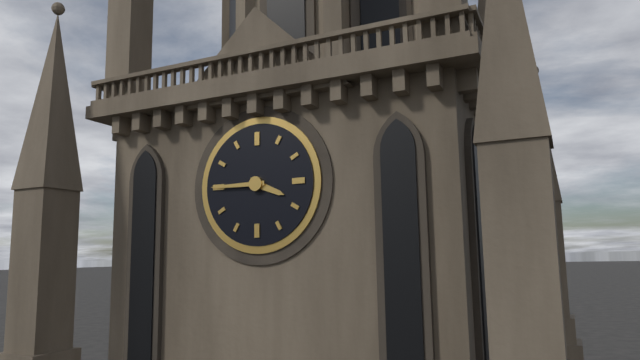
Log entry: 3h45
